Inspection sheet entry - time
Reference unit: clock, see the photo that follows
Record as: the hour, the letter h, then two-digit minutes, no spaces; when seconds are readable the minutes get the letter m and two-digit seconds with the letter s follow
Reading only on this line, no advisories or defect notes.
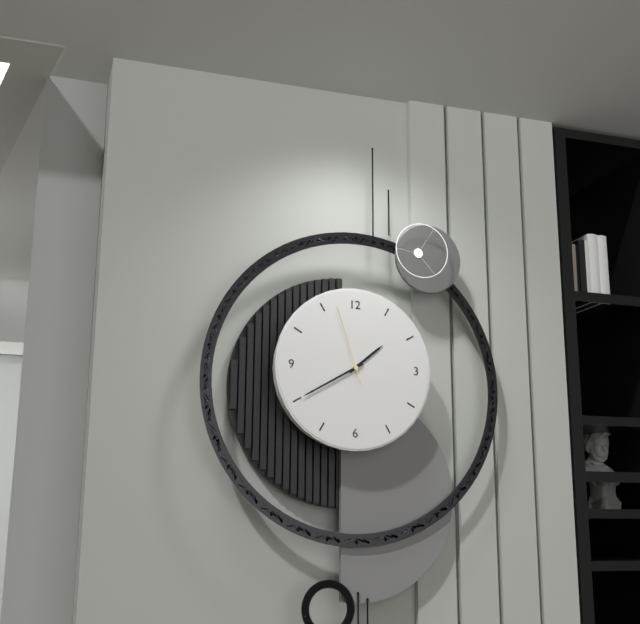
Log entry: 1h40m57s
